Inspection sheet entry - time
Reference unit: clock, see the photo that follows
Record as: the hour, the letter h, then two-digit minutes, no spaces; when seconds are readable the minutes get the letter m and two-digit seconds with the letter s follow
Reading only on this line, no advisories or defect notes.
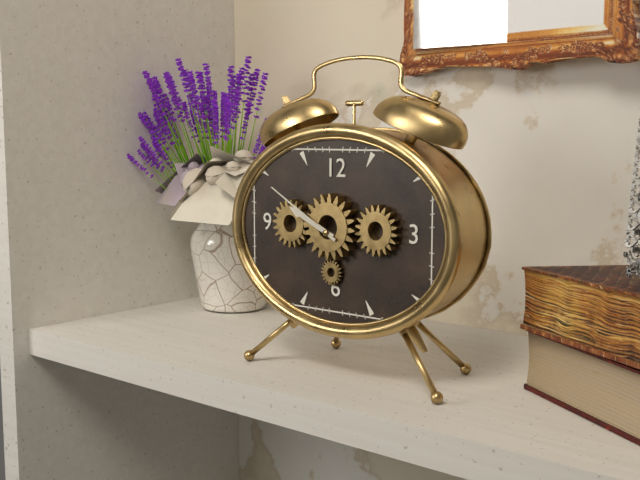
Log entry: 9h50
